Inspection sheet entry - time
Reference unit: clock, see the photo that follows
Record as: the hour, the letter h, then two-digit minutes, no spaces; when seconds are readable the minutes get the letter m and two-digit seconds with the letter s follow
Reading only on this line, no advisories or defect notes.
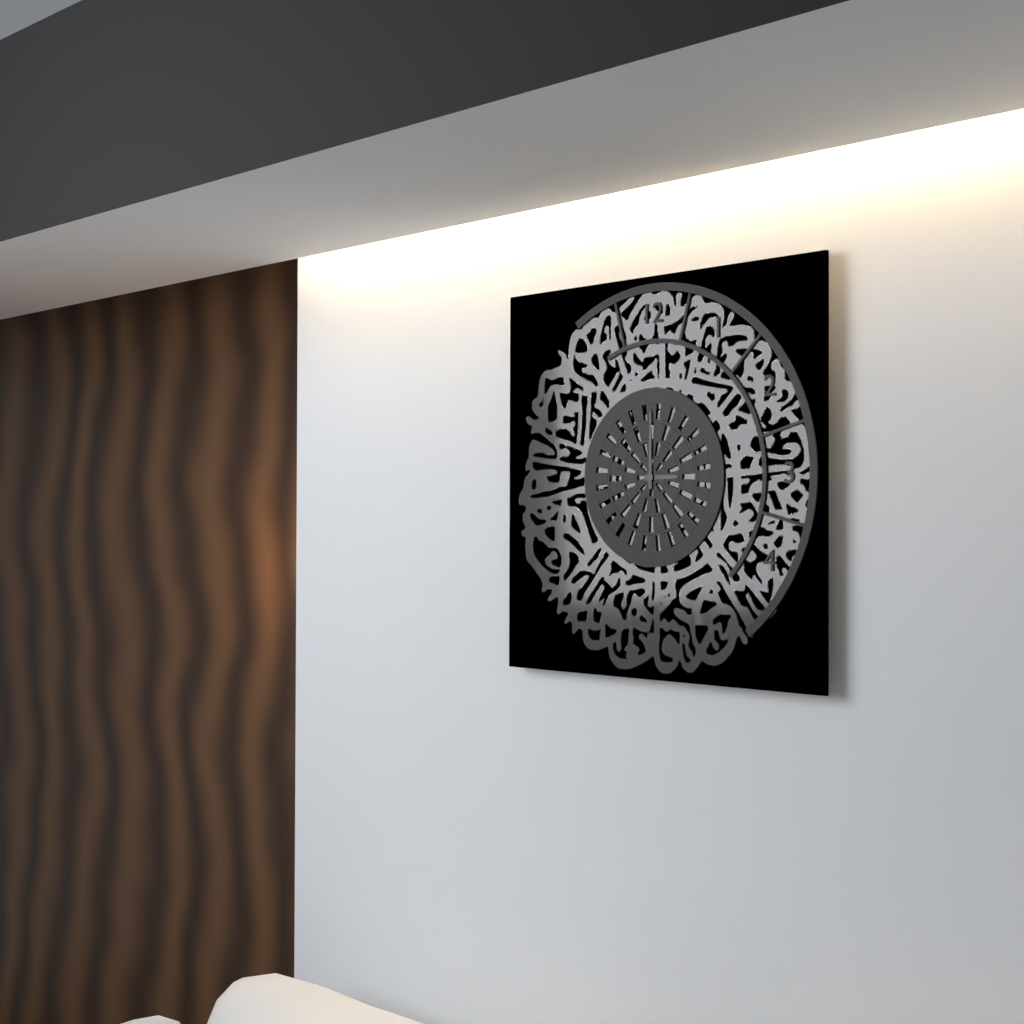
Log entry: 3h00
